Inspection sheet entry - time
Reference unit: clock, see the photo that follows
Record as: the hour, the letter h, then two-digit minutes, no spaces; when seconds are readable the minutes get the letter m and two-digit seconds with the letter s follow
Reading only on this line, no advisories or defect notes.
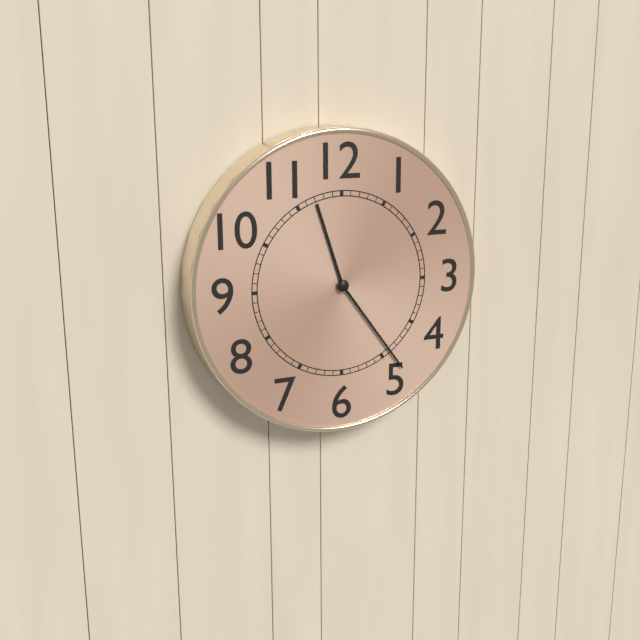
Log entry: 11h24
